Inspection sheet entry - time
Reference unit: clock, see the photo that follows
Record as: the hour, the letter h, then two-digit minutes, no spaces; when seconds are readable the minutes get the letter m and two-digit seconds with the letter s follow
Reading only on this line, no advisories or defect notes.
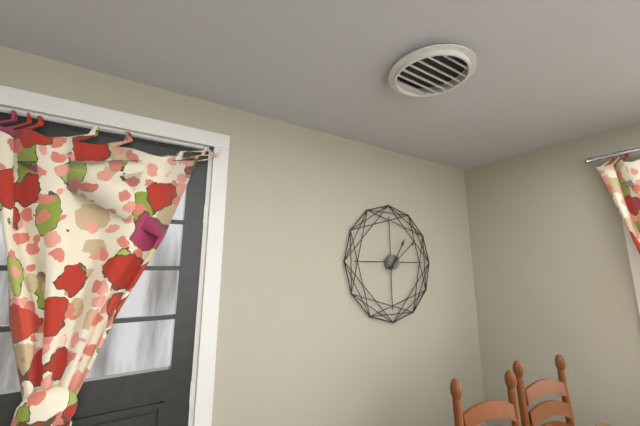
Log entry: 1h09
